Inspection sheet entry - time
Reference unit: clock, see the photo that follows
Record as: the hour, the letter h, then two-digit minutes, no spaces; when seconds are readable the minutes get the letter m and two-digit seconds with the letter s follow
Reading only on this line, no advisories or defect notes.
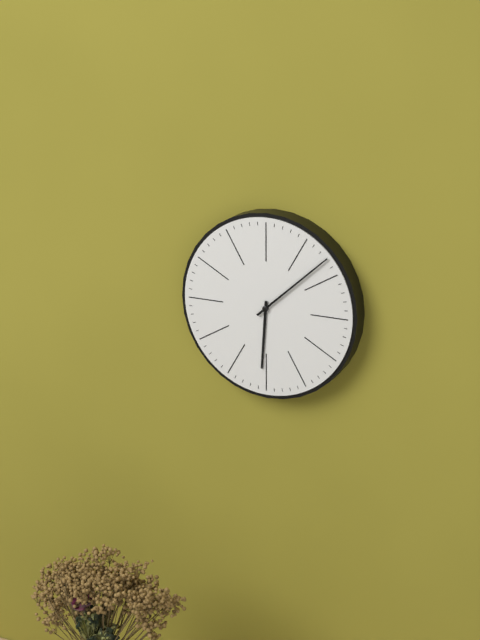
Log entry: 6h08
